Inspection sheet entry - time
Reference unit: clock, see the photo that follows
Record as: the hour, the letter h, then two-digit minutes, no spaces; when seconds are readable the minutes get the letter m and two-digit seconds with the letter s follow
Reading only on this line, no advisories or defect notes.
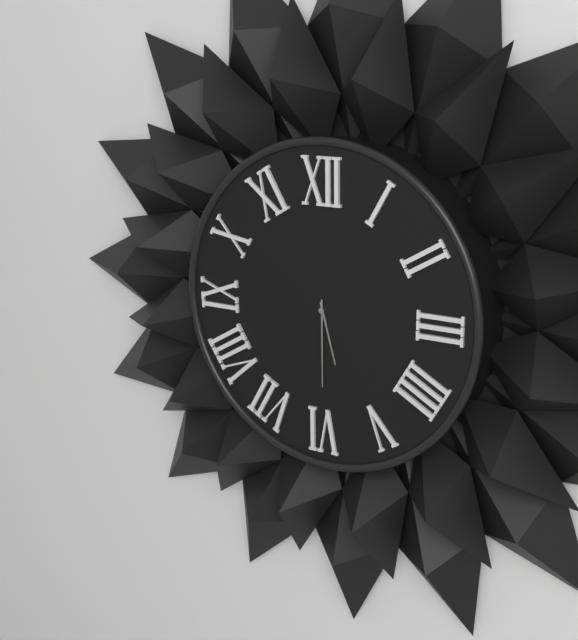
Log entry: 5h30
